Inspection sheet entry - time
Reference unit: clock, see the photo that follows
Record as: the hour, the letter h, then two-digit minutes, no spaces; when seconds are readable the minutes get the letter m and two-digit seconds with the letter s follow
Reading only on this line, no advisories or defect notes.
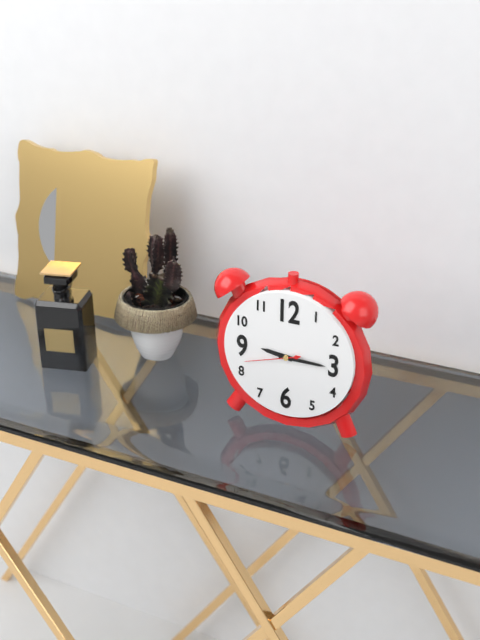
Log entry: 9h15m42s
